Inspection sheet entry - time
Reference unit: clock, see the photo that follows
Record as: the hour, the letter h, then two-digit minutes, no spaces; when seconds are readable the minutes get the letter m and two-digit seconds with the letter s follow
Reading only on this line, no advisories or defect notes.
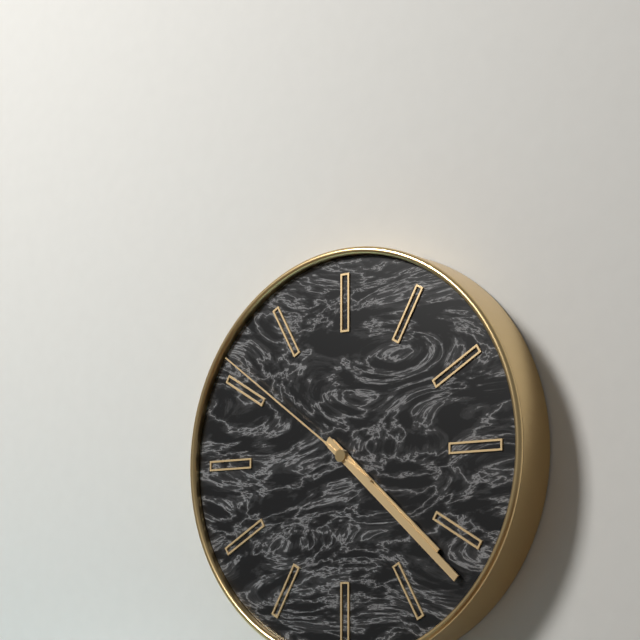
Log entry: 4h22m51s
